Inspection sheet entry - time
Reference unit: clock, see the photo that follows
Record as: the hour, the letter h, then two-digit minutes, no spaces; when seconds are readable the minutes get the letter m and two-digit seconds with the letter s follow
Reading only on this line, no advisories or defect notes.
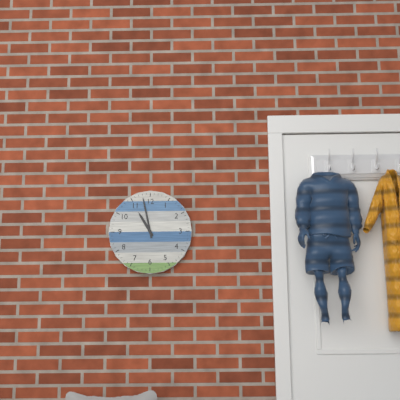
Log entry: 10h58
